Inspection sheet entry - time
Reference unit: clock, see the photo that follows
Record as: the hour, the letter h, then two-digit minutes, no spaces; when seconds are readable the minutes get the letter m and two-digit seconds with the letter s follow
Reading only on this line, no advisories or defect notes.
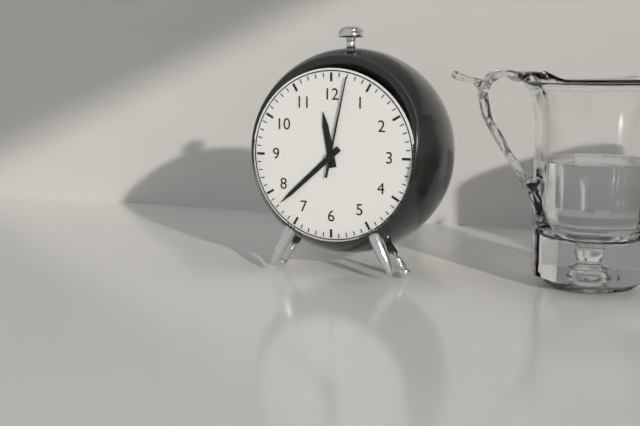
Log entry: 11h38m02s
